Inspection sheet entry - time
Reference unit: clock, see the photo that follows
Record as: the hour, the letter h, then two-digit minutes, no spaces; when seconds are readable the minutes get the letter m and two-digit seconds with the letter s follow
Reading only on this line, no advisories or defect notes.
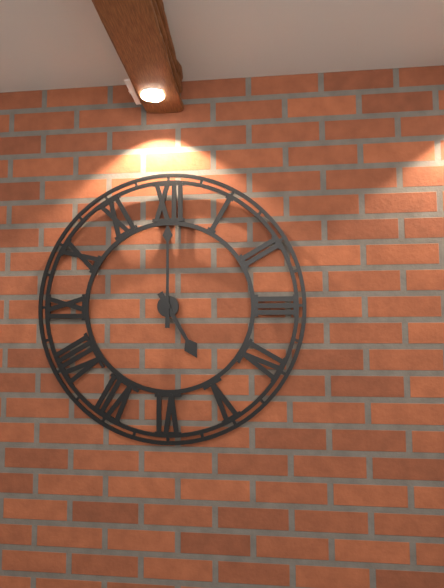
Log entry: 5h00
